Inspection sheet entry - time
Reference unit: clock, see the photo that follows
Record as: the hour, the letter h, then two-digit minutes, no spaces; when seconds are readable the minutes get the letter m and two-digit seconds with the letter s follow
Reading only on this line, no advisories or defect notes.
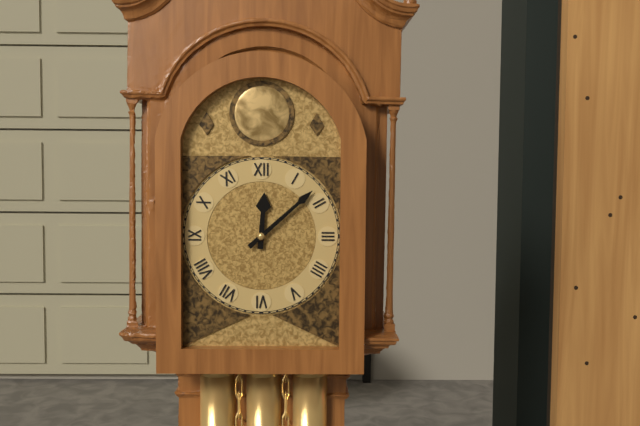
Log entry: 12h08
